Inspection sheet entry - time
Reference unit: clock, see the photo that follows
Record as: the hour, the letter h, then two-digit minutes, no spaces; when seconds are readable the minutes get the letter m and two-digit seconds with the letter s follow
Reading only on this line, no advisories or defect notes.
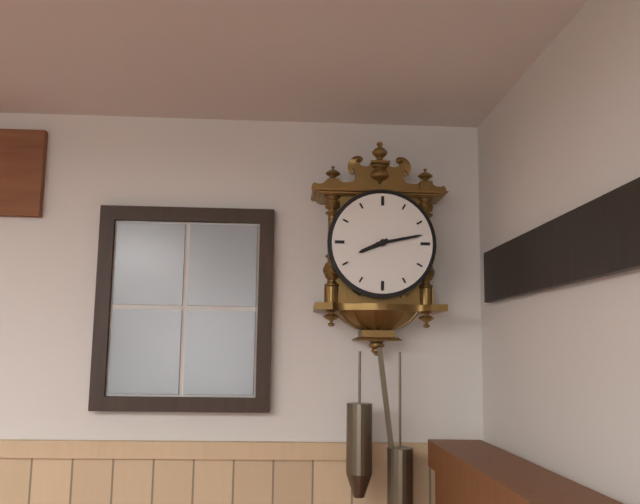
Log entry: 8h13
